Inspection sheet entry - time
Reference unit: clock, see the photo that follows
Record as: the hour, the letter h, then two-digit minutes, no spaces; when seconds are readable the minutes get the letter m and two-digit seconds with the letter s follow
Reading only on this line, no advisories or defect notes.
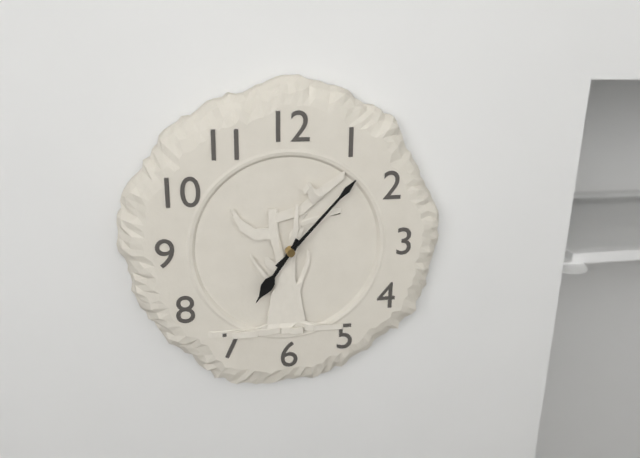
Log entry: 7h07
